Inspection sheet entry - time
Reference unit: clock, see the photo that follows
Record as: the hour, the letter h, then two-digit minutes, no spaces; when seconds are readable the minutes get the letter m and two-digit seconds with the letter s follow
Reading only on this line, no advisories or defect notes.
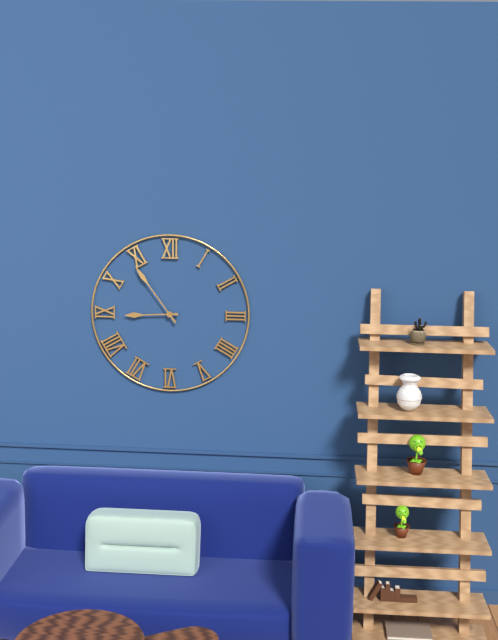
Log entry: 8h54
